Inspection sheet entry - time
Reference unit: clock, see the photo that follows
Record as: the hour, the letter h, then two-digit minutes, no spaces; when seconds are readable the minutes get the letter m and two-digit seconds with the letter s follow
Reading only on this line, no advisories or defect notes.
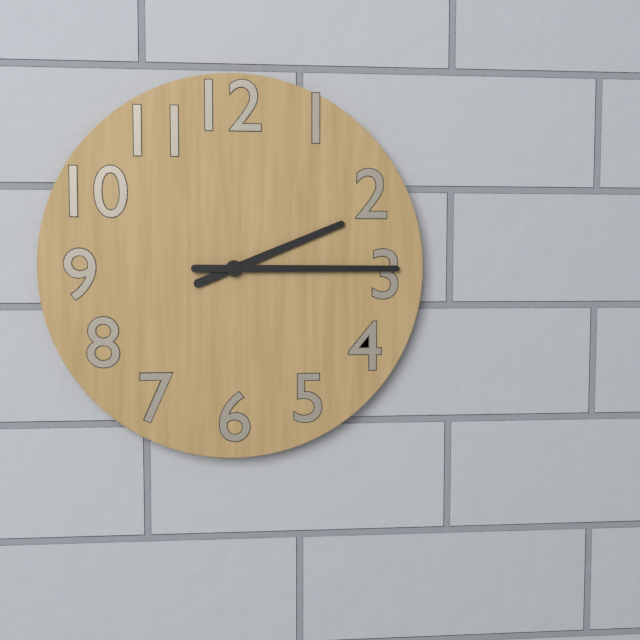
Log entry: 2h15
